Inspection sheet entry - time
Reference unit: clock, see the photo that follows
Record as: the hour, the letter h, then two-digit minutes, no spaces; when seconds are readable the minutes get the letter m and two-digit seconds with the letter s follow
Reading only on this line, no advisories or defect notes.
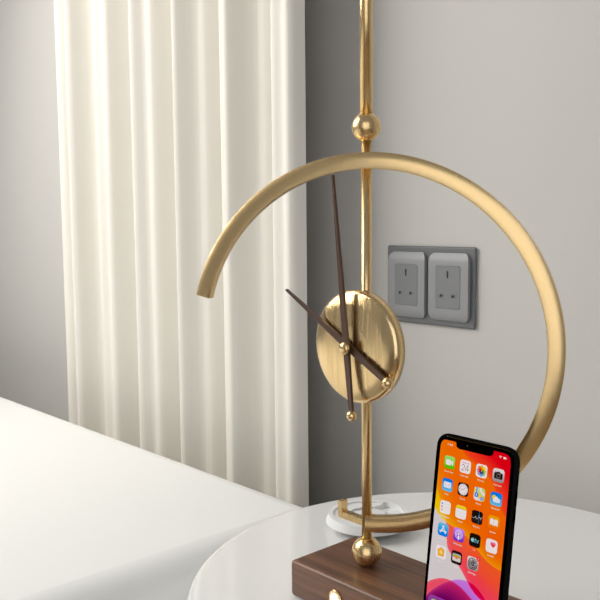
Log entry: 9h59
